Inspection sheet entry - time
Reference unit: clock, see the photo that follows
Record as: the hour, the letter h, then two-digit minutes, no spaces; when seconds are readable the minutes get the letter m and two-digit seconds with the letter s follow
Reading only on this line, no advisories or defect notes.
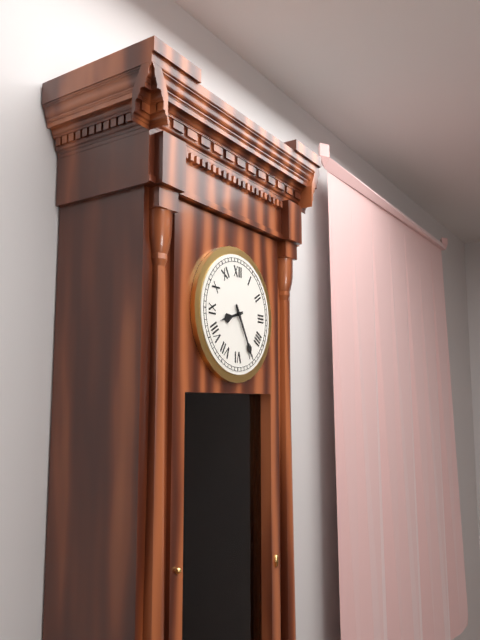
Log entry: 8h25
